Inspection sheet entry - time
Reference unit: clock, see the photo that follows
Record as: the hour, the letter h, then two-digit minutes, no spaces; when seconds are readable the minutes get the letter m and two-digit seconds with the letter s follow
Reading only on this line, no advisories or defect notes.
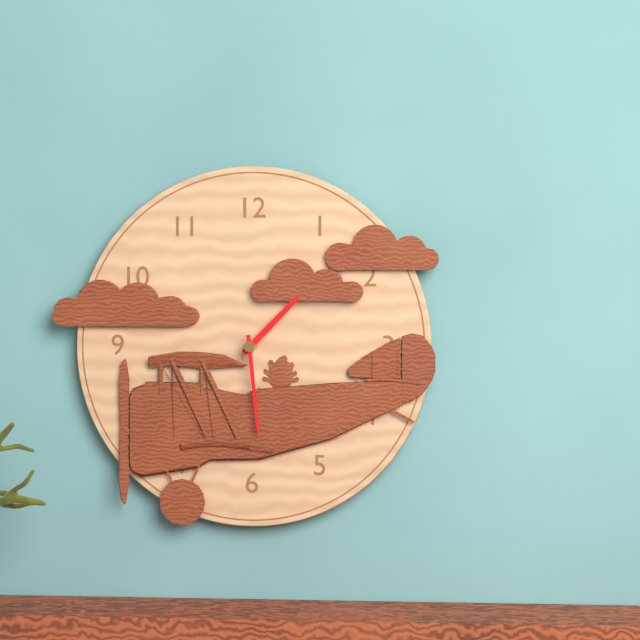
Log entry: 1h29
